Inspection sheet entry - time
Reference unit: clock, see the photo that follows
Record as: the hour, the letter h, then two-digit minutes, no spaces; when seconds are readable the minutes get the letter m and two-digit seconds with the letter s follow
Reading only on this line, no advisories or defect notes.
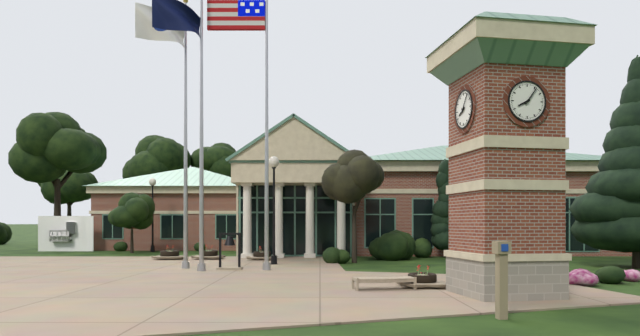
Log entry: 8h06
